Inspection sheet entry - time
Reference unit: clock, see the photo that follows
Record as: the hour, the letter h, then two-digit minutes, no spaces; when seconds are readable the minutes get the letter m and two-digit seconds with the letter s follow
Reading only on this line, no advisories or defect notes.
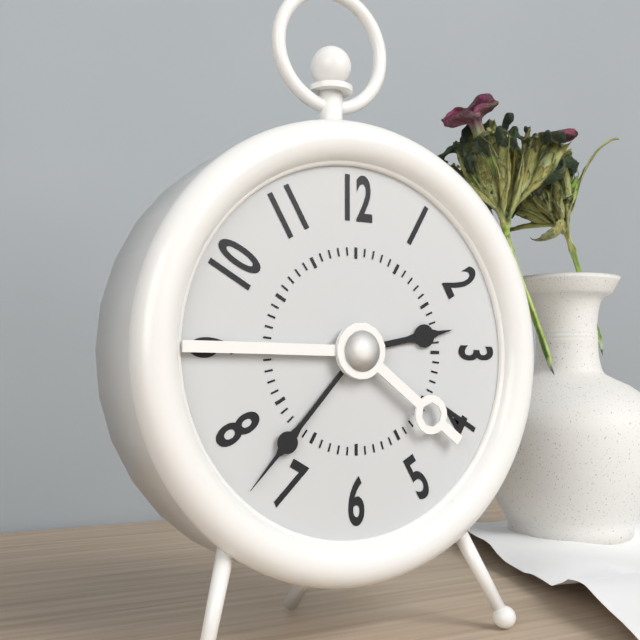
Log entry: 2h37
